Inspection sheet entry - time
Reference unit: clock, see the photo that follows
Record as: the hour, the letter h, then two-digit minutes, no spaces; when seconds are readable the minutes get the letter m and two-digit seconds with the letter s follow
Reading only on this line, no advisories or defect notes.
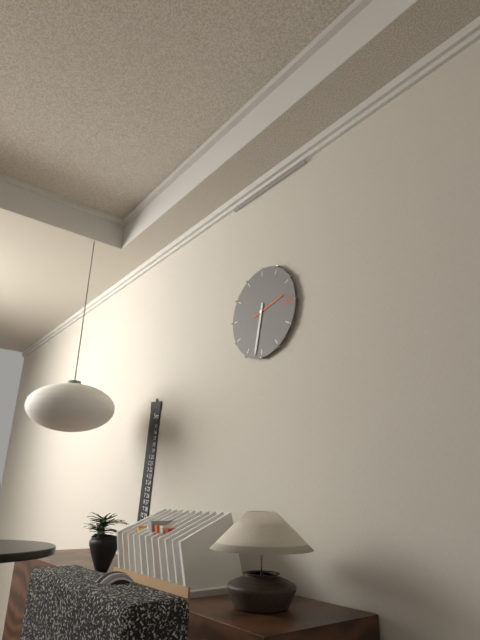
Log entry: 2h32
